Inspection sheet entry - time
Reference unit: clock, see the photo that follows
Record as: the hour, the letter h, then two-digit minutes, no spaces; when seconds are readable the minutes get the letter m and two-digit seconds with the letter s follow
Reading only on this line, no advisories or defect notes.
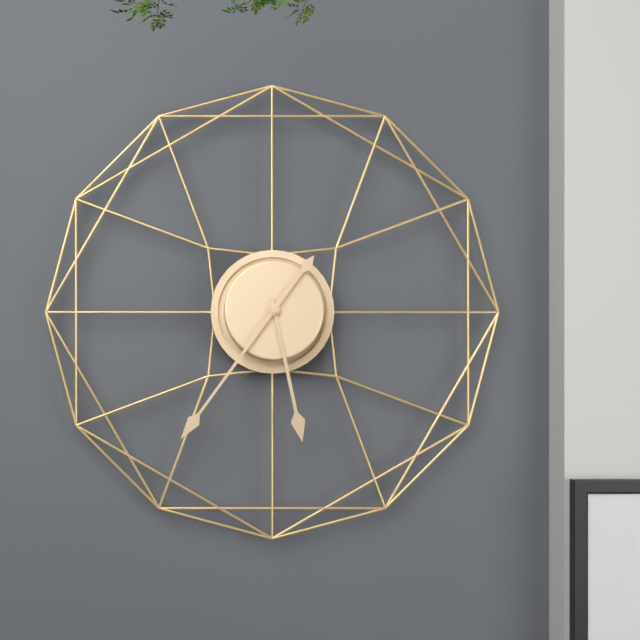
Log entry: 5h36
